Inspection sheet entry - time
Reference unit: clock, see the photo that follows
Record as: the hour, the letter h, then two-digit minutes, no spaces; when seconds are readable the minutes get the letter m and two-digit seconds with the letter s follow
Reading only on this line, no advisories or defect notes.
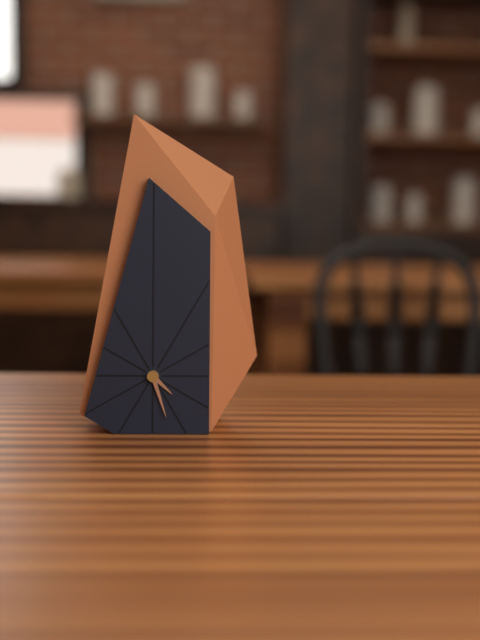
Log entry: 4h27
